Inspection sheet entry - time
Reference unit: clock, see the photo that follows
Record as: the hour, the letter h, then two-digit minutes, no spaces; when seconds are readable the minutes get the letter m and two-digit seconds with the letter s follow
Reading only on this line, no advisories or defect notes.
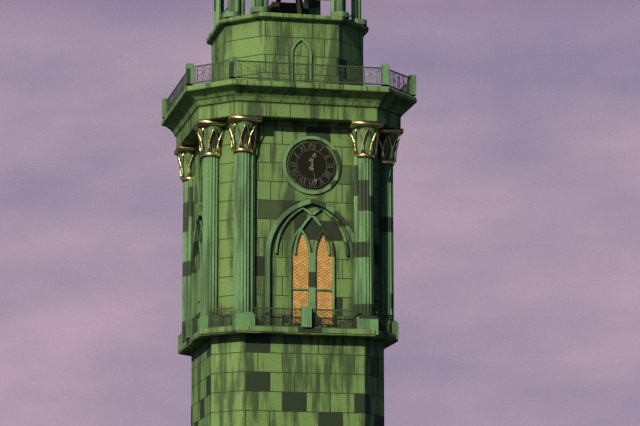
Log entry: 12h28
